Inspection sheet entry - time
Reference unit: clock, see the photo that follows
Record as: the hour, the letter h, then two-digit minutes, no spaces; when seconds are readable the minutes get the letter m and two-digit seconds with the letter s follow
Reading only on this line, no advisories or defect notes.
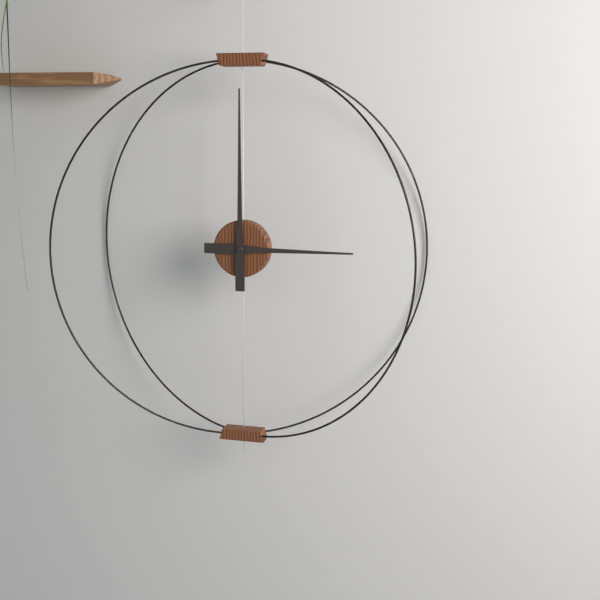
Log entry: 3h00
